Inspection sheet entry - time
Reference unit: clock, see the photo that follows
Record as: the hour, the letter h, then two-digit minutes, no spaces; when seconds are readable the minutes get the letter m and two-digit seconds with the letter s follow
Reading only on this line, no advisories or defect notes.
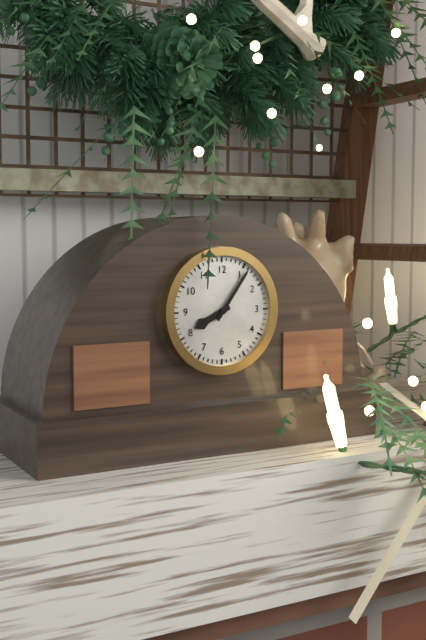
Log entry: 8h06
